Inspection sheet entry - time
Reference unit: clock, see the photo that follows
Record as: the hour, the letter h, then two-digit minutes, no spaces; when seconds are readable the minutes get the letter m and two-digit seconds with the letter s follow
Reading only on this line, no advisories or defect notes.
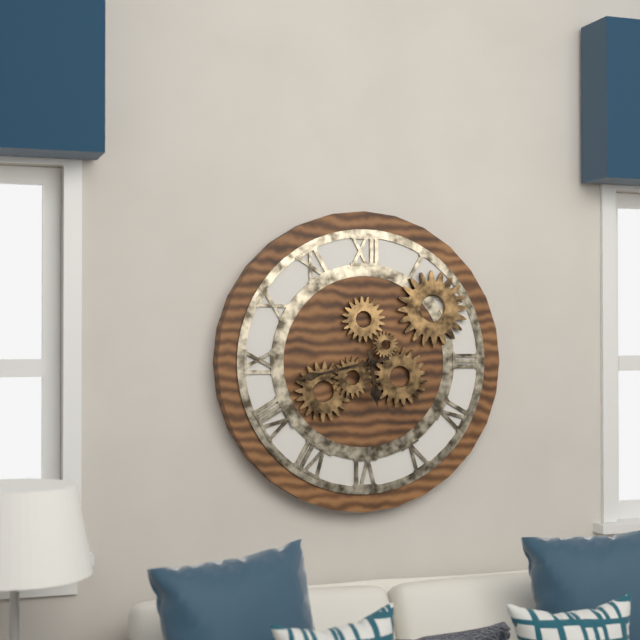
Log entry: 5h43
